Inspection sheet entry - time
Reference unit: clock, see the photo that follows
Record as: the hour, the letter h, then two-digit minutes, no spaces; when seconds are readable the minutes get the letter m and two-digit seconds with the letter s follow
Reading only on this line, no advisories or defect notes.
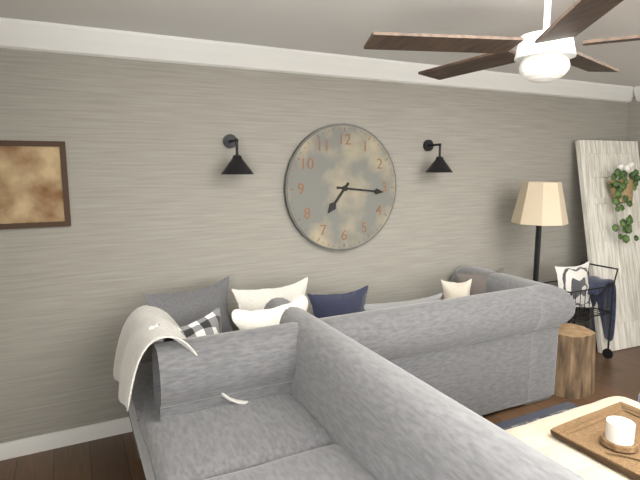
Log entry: 7h16
